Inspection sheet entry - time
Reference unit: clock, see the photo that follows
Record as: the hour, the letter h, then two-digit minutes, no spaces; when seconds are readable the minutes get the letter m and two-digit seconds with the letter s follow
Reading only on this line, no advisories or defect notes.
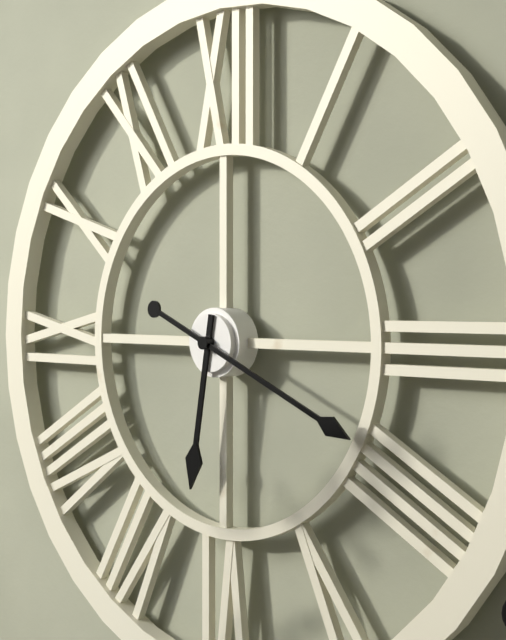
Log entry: 6h19
